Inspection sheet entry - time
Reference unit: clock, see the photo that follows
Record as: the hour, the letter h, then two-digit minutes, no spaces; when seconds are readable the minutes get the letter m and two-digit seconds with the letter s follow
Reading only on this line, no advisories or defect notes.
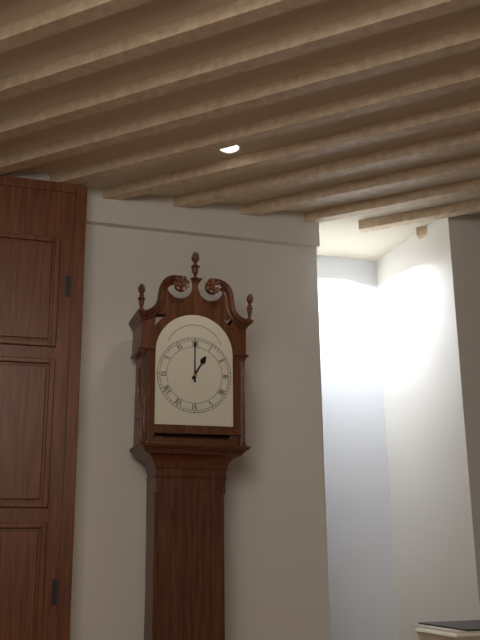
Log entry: 1h00
